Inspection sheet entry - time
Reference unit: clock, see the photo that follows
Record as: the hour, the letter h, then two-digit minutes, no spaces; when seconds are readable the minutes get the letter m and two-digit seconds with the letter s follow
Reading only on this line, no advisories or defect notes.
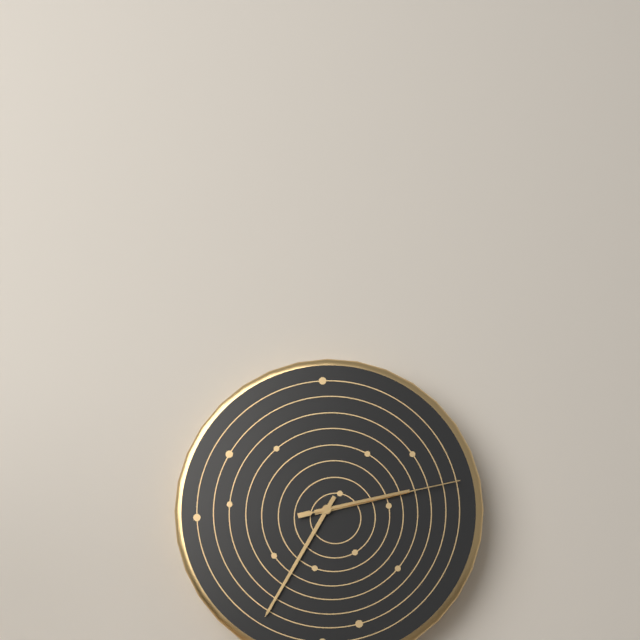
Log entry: 2h35m13s
